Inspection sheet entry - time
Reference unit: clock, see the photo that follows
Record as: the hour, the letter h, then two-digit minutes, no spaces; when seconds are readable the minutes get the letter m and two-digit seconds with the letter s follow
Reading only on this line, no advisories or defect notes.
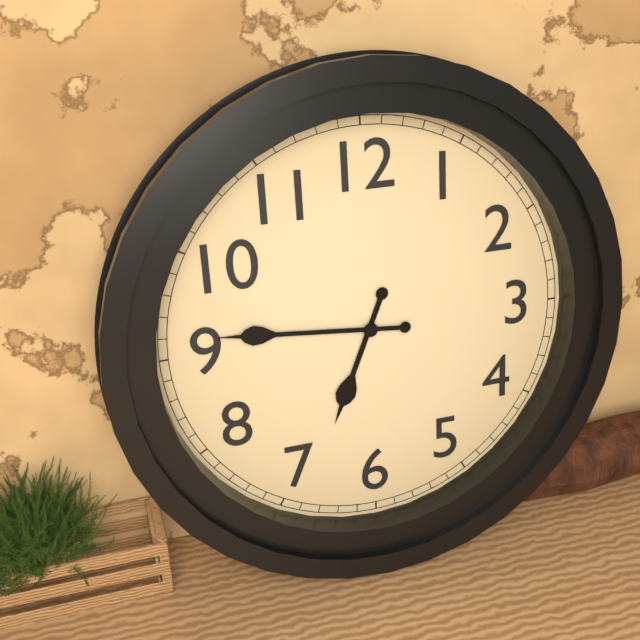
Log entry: 6h46
